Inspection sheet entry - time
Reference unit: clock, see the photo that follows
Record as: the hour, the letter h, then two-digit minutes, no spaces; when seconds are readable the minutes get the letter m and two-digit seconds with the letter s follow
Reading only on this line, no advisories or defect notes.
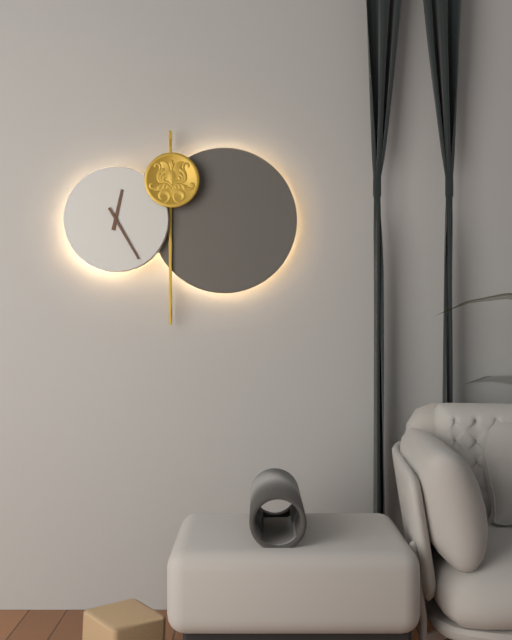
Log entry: 12h25
